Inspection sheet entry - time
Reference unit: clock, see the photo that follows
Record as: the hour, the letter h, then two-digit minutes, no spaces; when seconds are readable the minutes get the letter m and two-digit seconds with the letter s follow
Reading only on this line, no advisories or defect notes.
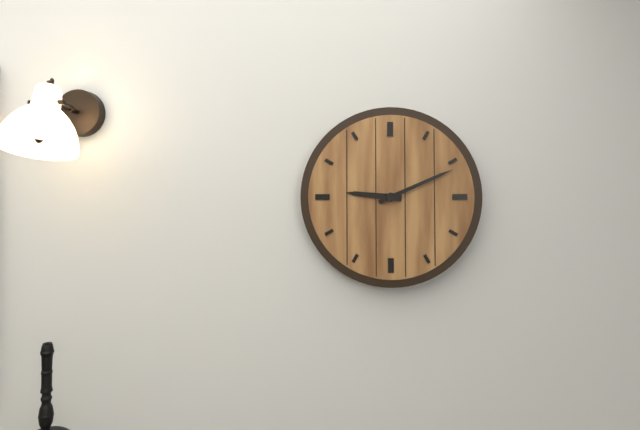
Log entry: 9h11
